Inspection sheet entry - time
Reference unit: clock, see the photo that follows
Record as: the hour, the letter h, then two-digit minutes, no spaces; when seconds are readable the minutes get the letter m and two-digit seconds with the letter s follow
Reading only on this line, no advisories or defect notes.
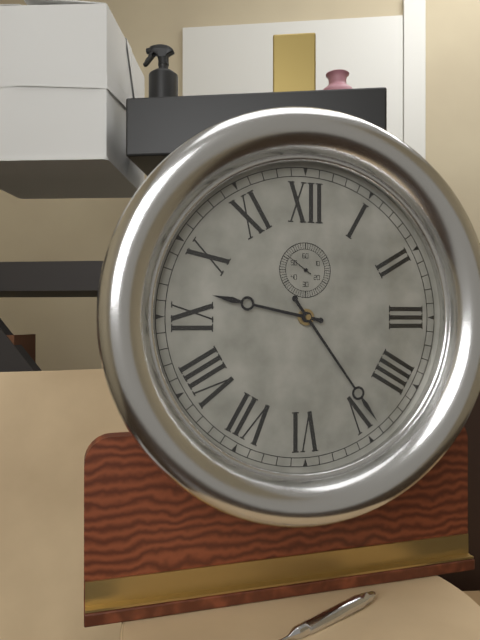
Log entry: 9h24
